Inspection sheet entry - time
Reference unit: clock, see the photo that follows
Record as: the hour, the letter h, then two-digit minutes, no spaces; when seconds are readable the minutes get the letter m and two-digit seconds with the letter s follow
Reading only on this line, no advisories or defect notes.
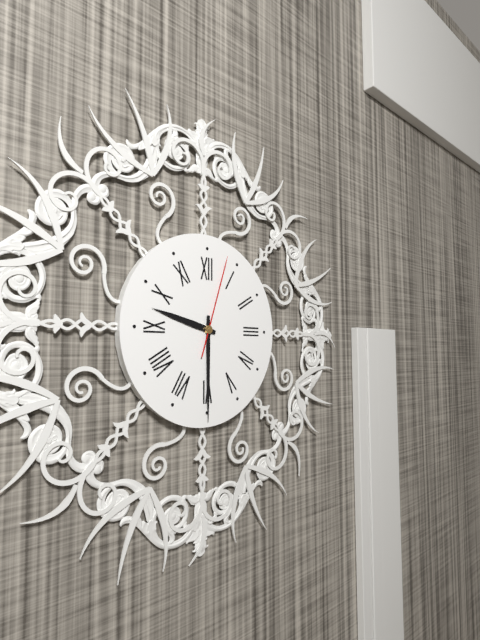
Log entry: 9h30m03s
